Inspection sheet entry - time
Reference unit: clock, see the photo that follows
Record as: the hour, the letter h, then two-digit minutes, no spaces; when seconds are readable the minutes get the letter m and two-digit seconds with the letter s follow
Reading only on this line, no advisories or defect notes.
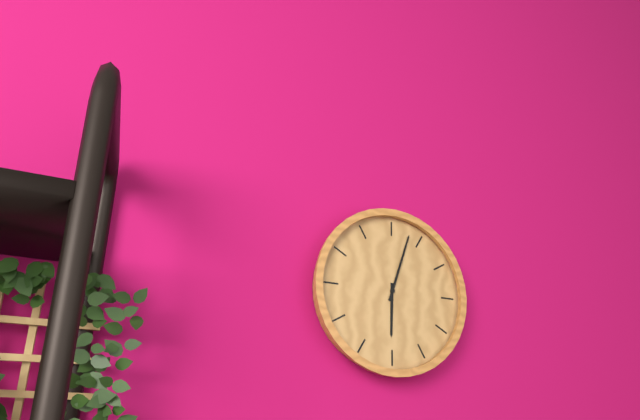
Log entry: 6h03
